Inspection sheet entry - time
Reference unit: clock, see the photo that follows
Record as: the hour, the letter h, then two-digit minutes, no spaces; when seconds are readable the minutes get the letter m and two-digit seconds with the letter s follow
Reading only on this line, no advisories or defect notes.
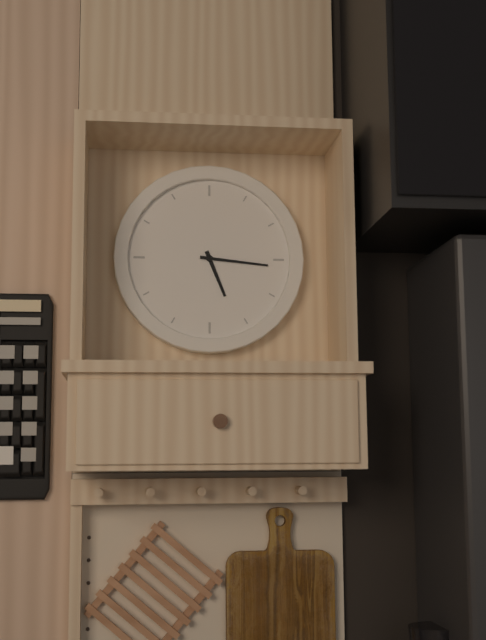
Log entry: 5h16
